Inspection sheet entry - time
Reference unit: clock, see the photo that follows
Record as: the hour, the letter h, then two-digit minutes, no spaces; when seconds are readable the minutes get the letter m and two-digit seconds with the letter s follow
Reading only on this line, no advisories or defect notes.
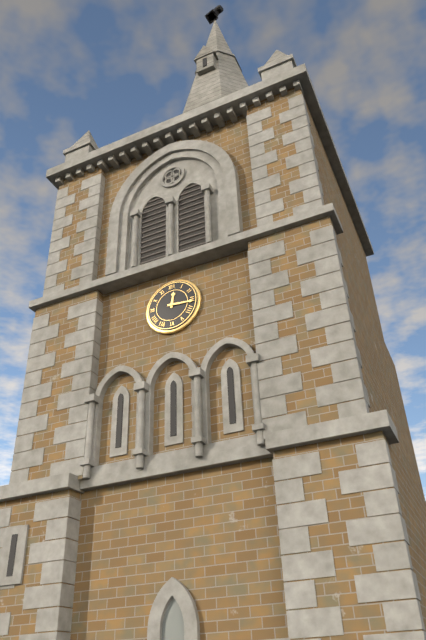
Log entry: 12h16
